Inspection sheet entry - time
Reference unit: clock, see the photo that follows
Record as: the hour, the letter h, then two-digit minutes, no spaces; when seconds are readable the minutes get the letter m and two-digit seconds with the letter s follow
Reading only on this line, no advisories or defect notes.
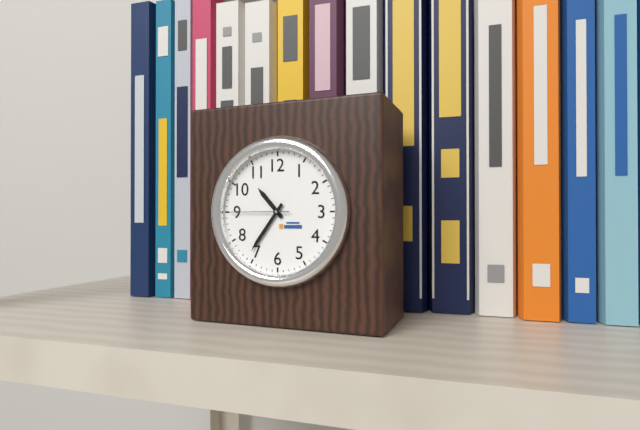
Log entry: 10h36m45s
